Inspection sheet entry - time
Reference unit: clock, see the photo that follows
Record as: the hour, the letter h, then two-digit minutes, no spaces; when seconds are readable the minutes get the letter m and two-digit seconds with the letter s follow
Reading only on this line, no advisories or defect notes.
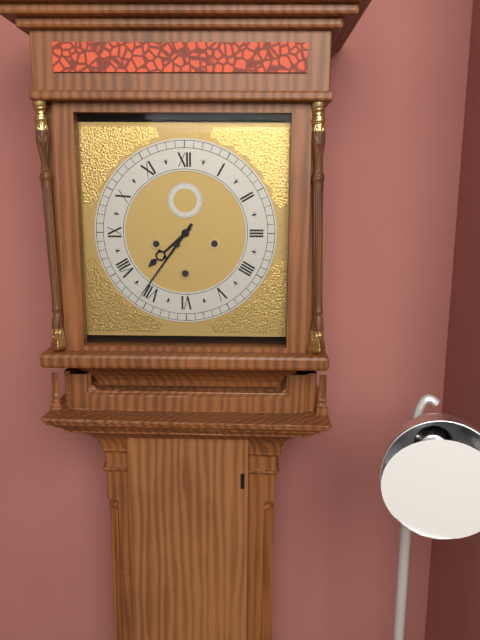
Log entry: 7h36
